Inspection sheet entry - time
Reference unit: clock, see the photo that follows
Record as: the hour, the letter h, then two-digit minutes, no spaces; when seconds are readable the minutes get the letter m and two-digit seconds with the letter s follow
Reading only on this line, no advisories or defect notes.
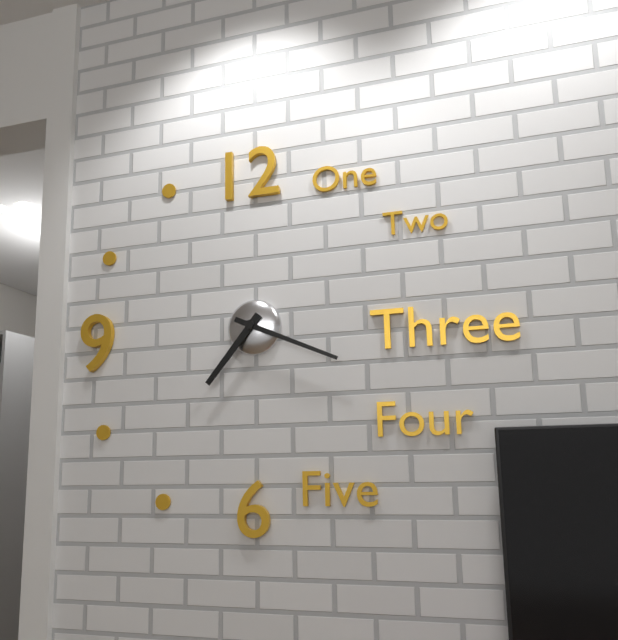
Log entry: 7h19
